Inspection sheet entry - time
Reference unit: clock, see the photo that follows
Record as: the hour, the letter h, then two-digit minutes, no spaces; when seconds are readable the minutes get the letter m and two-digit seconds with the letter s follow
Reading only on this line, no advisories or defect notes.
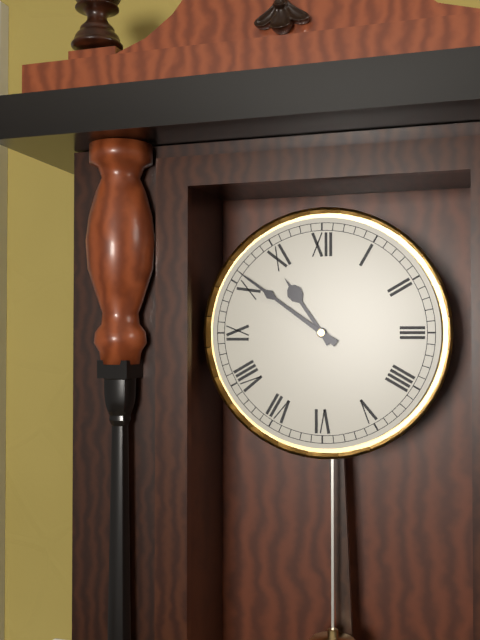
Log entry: 10h51
